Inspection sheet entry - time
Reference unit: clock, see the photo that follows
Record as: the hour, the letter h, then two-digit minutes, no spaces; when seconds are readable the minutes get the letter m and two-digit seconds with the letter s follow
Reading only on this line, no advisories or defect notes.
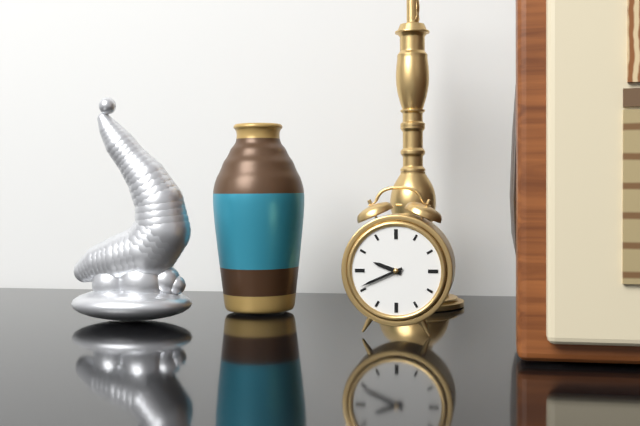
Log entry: 9h41
